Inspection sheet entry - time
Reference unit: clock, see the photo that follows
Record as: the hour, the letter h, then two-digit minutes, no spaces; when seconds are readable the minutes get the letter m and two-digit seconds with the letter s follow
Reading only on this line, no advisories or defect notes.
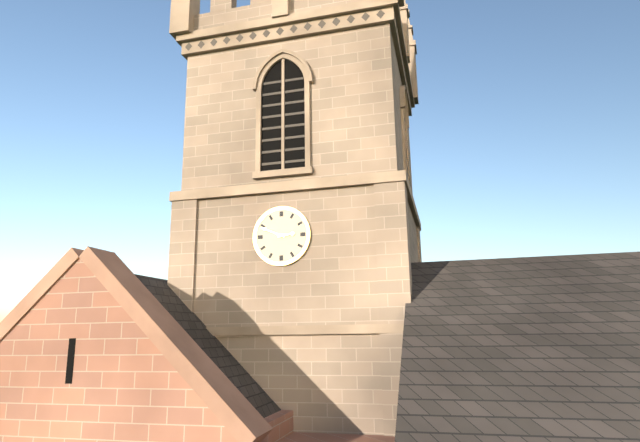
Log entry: 2h49
